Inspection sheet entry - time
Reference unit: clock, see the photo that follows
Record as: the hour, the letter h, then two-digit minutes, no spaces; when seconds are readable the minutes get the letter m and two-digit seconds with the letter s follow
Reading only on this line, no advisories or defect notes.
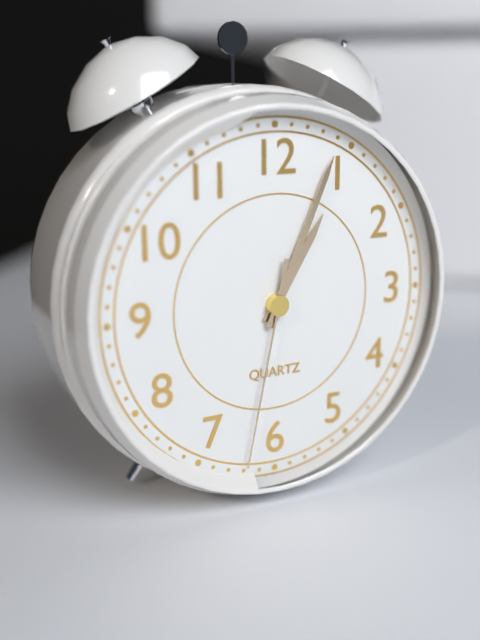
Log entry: 1h04m32s
